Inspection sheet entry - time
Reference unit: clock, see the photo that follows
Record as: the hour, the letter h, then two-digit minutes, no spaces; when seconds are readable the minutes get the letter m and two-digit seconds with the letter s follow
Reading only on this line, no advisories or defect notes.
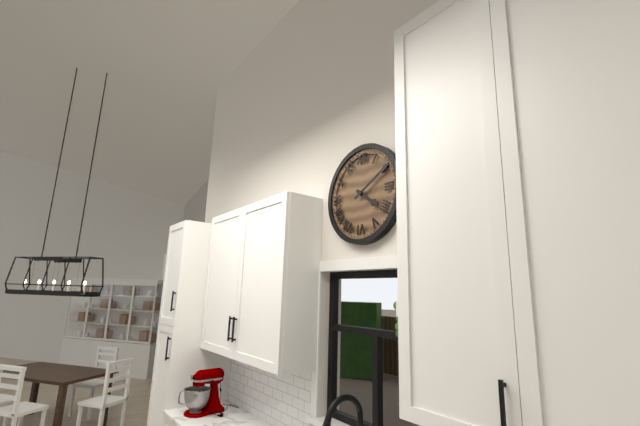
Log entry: 4h10
